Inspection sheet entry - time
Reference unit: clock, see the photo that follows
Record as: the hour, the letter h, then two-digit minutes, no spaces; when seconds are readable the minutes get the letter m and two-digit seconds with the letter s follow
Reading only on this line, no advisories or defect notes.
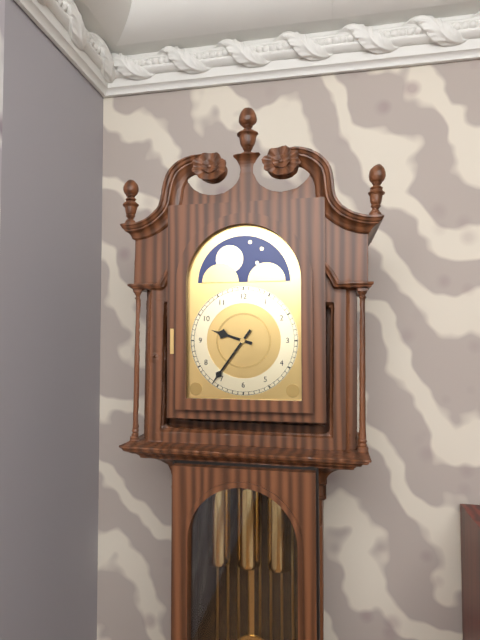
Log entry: 9h36
